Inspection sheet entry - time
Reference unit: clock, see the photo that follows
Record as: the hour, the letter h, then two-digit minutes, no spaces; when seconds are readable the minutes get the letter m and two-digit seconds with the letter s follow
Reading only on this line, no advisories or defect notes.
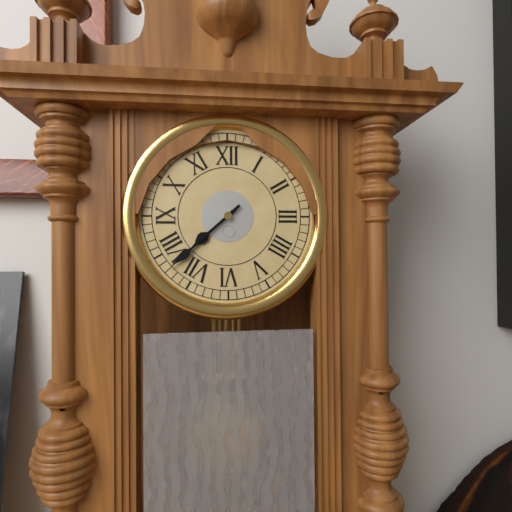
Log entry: 7h38
